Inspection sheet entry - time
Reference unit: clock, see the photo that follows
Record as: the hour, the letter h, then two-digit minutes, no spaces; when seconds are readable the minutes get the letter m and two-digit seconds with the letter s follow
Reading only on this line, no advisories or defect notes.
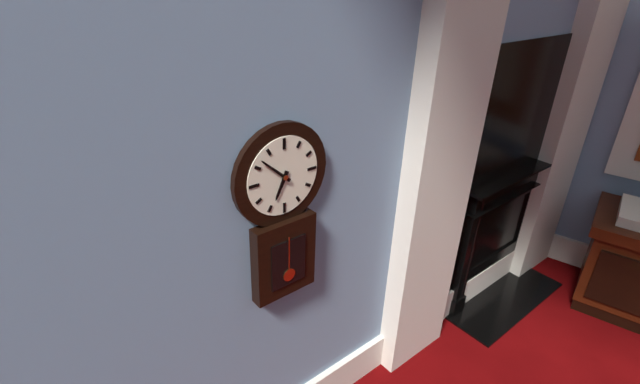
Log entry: 6h52
